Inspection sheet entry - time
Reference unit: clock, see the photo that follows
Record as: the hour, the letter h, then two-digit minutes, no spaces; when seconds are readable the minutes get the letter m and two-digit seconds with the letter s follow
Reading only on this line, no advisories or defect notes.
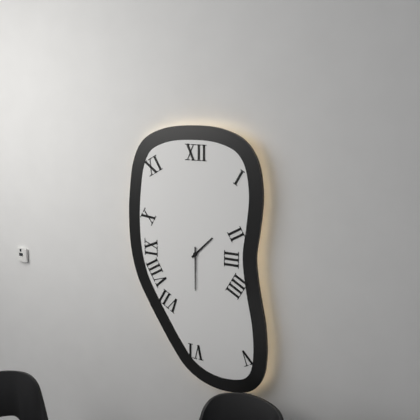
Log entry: 1h30
